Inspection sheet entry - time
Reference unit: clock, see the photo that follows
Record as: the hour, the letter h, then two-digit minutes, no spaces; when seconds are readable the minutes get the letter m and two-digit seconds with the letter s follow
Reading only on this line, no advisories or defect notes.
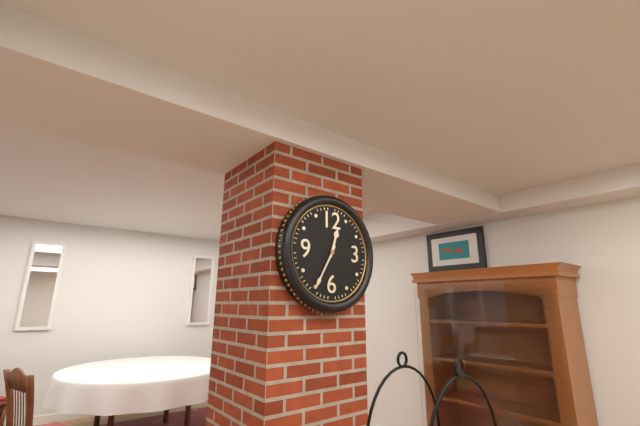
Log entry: 12h35
